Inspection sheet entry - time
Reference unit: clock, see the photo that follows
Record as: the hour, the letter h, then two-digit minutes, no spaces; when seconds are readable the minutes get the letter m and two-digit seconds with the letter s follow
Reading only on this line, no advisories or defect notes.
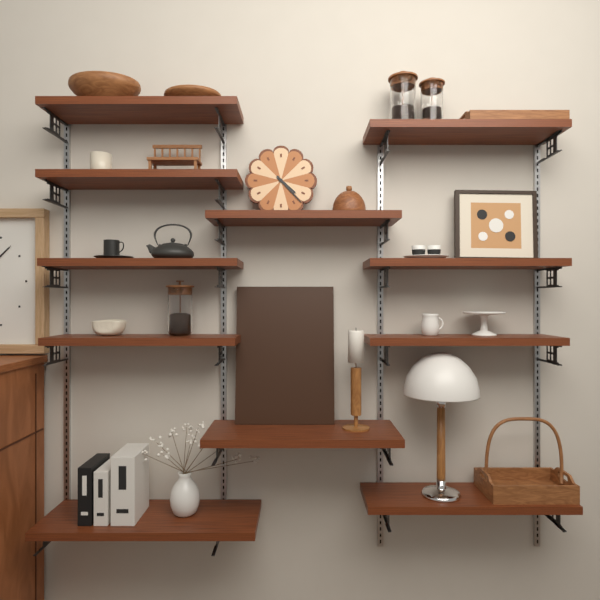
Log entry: 4h23
